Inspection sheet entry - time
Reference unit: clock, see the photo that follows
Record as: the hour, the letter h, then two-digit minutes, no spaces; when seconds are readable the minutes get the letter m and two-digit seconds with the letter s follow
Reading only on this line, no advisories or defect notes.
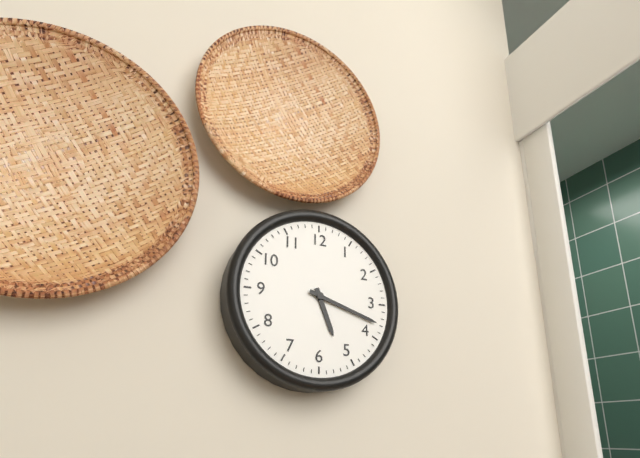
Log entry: 5h18
